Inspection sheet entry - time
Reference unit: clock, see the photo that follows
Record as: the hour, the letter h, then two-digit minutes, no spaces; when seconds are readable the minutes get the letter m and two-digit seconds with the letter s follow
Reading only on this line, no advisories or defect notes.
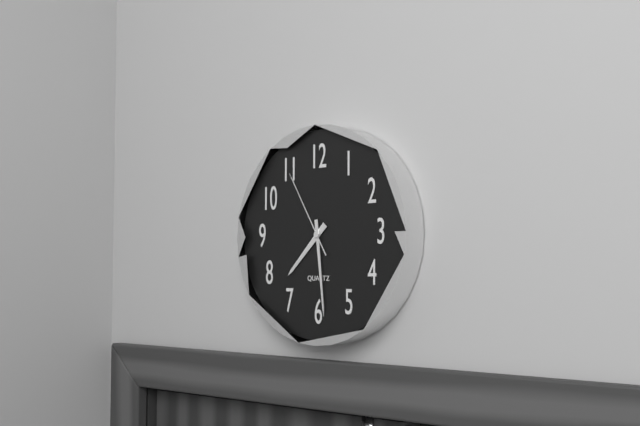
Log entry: 7h29m55s
